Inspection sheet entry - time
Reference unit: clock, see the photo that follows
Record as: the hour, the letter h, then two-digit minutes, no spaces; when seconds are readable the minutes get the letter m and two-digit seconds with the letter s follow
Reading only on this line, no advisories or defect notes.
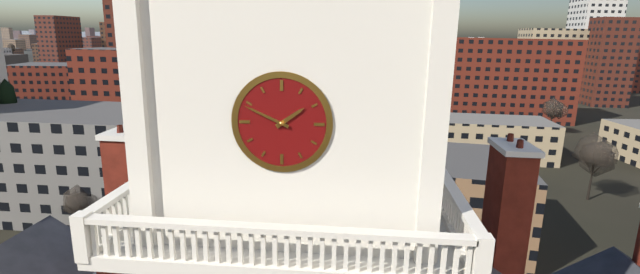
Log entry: 1h49
